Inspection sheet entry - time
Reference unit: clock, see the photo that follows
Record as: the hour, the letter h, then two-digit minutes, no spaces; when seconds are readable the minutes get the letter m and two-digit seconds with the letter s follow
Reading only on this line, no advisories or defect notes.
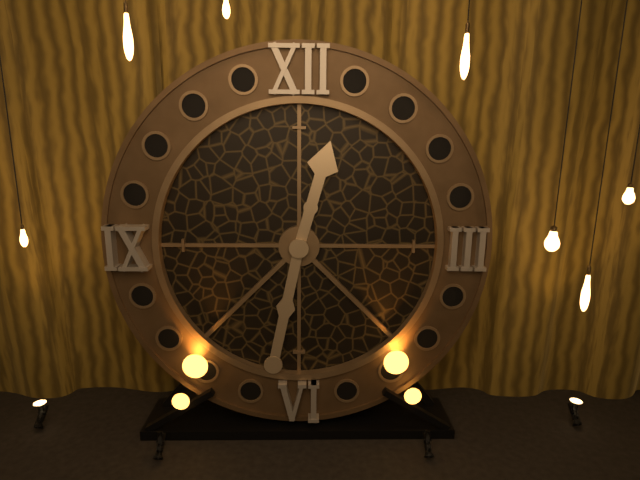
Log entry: 12h32
